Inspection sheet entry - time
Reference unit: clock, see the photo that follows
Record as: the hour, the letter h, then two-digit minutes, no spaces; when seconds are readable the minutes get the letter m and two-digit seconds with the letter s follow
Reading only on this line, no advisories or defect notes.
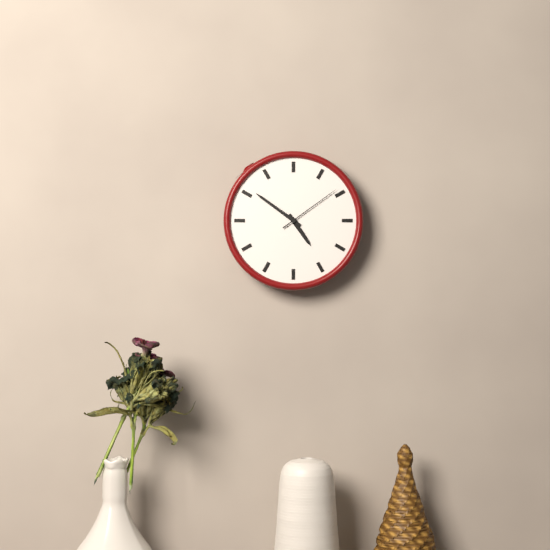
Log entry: 4h51m09s
